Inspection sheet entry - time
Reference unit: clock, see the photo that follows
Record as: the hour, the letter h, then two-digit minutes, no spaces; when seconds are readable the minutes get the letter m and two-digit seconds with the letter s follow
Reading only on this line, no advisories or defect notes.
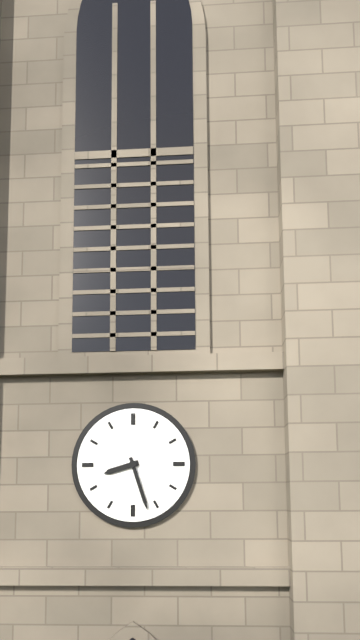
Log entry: 8h27
